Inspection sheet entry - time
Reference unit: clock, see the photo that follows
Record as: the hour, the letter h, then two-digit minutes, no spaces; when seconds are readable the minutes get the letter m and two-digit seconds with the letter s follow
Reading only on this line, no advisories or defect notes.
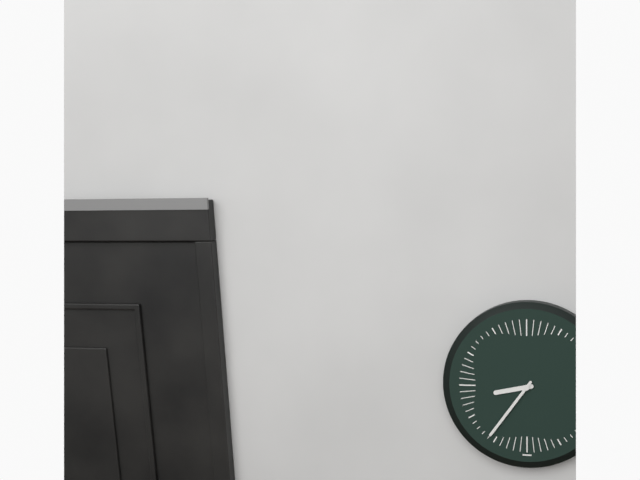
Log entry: 8h36
